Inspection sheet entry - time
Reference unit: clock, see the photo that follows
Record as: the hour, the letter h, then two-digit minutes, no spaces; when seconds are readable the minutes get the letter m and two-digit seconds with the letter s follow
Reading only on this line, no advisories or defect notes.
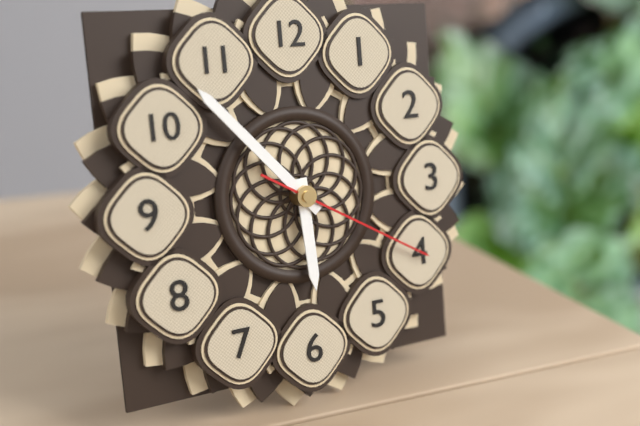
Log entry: 5h53m20s
